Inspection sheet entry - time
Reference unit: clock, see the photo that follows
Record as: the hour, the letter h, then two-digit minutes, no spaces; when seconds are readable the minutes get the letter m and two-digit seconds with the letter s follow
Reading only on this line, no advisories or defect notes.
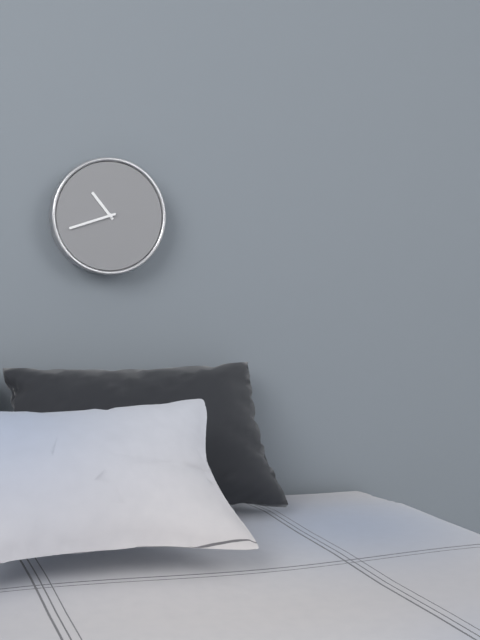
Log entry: 10h42
